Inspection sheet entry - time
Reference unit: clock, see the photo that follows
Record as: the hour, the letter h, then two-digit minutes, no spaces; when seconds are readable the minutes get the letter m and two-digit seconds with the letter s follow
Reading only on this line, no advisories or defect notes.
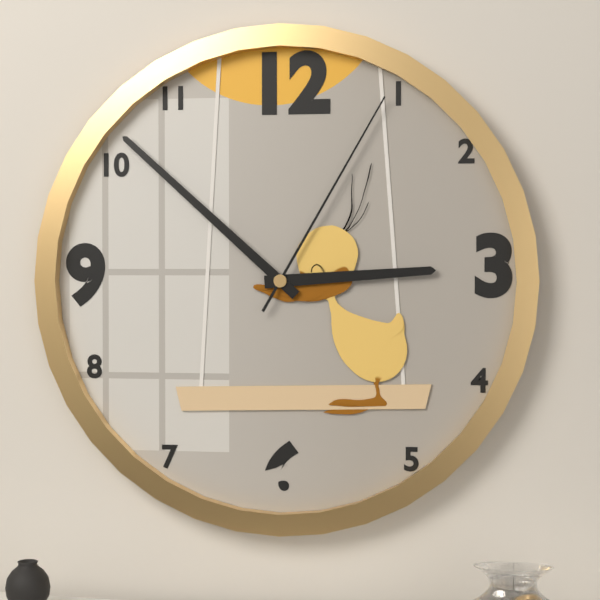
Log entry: 2h52m05s
